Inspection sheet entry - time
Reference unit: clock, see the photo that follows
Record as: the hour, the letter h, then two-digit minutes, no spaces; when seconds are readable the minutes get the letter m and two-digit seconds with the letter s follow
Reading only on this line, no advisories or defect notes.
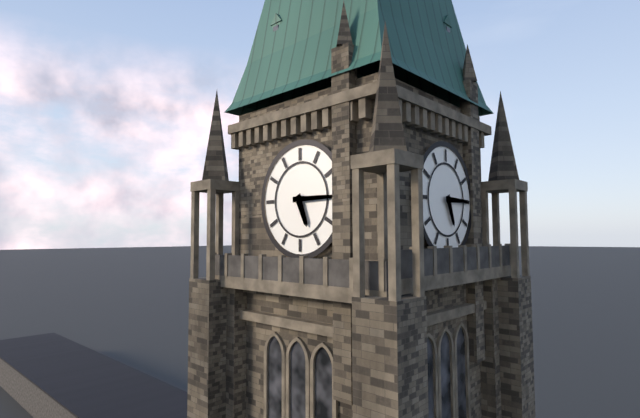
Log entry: 5h15
